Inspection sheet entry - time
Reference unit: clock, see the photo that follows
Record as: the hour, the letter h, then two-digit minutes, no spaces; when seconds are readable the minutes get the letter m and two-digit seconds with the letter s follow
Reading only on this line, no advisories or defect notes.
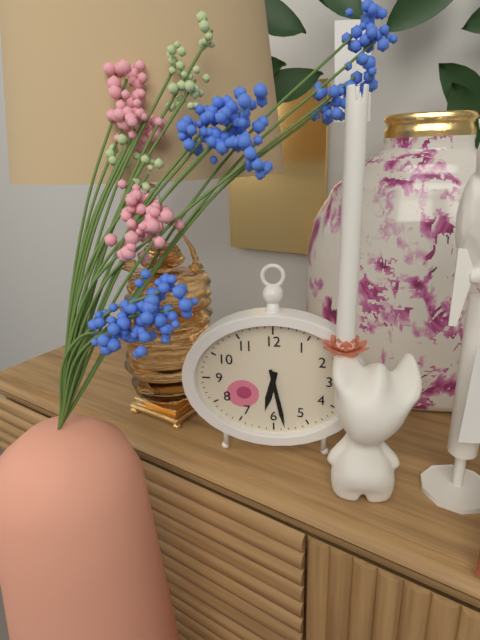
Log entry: 6h28
